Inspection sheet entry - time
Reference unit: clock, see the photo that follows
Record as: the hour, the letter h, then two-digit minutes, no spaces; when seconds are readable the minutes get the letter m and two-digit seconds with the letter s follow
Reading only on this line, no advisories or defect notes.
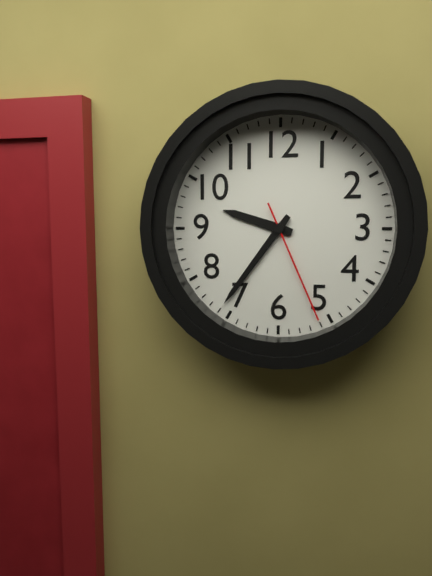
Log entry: 9h36m26s
